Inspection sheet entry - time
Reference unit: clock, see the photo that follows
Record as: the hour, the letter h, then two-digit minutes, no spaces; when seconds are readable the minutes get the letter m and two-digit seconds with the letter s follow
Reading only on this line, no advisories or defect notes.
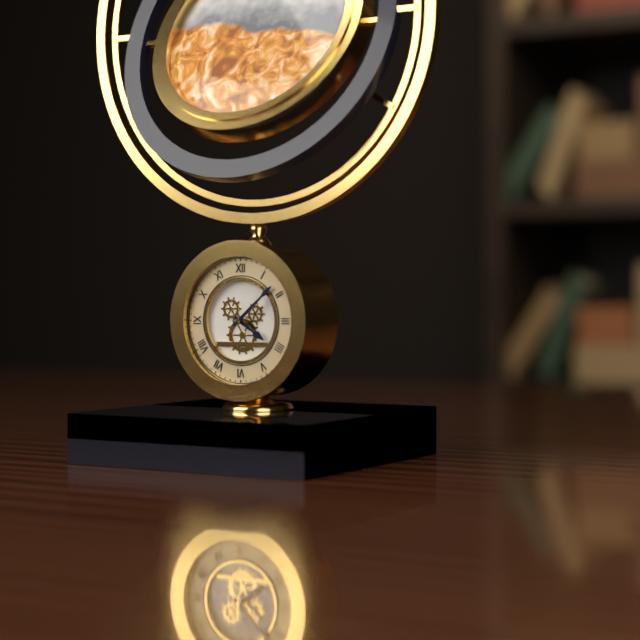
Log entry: 4h08
